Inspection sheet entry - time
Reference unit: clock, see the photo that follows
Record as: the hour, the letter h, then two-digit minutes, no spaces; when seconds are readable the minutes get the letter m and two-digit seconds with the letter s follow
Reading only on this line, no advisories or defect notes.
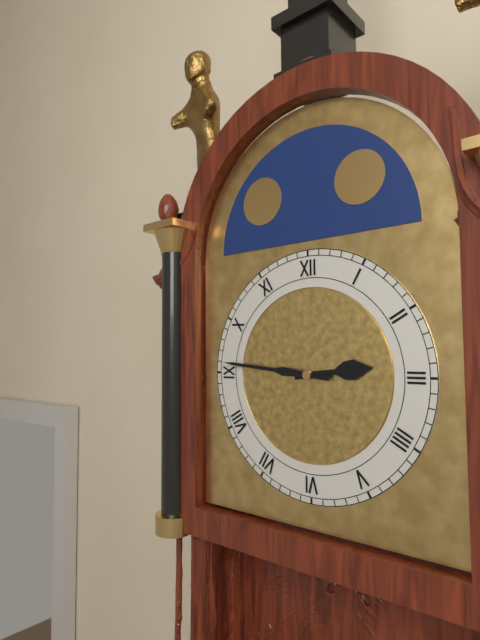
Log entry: 2h46
